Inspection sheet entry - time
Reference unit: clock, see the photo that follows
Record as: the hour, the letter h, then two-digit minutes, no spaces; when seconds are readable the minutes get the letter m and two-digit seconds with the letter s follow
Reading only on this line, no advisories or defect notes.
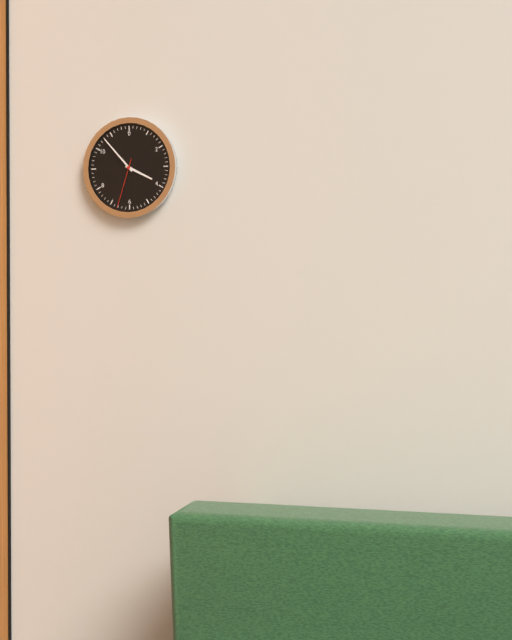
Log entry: 3h53m33s
